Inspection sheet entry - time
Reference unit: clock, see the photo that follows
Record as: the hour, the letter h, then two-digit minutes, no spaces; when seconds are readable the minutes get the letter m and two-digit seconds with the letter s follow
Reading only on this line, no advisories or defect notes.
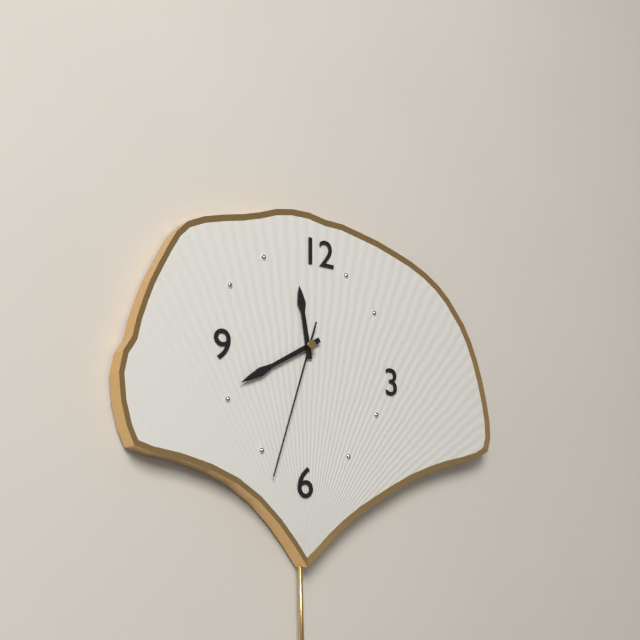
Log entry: 11h40m33s
